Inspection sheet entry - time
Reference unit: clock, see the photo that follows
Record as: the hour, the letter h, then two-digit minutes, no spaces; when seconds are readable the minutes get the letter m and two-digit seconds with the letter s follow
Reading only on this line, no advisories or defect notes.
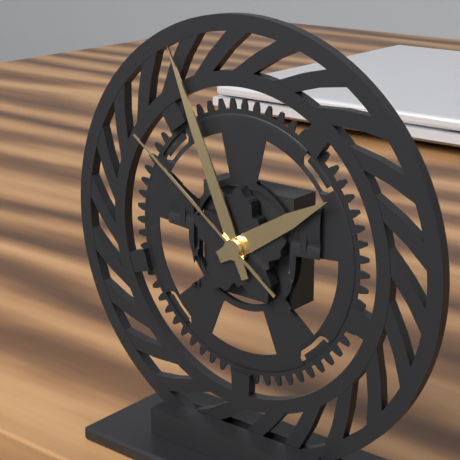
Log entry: 1h56m51s
